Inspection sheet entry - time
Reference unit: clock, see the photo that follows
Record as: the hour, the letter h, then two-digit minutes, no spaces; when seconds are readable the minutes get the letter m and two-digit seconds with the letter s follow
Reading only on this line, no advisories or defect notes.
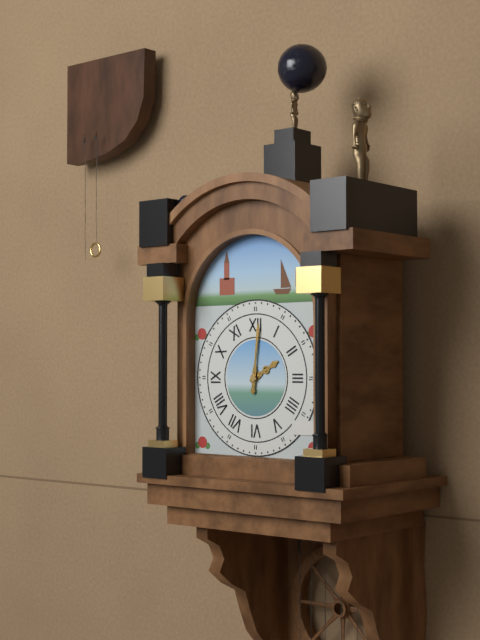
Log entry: 2h01
